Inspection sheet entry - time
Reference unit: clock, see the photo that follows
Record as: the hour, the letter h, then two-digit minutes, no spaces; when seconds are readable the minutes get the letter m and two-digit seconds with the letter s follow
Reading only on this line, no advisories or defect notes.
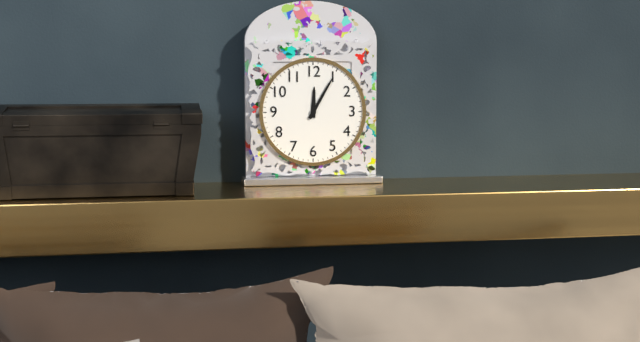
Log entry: 12h05
